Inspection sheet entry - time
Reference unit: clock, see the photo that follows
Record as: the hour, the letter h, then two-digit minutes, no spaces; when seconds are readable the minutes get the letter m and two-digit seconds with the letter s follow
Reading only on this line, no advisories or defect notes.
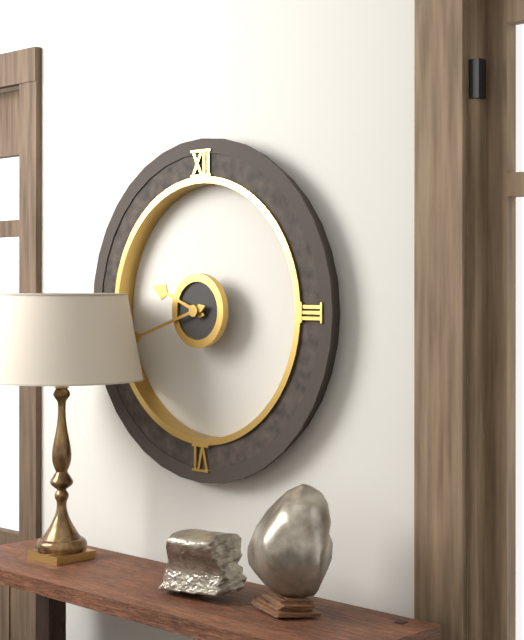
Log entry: 9h42
